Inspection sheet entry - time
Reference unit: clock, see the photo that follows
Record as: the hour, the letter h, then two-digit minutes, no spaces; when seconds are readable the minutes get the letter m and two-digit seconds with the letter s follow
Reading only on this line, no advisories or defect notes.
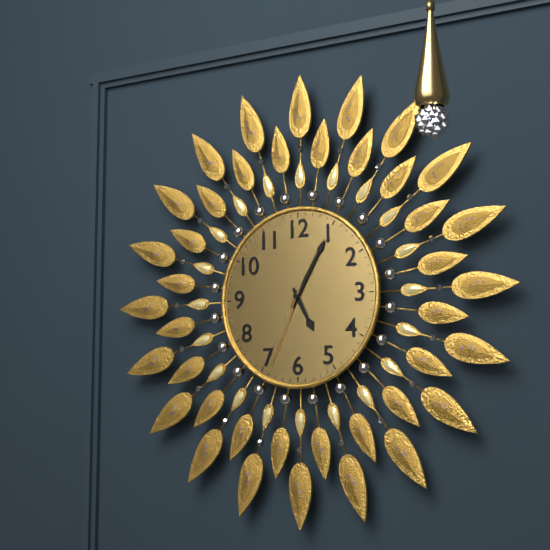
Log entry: 5h05m34s
